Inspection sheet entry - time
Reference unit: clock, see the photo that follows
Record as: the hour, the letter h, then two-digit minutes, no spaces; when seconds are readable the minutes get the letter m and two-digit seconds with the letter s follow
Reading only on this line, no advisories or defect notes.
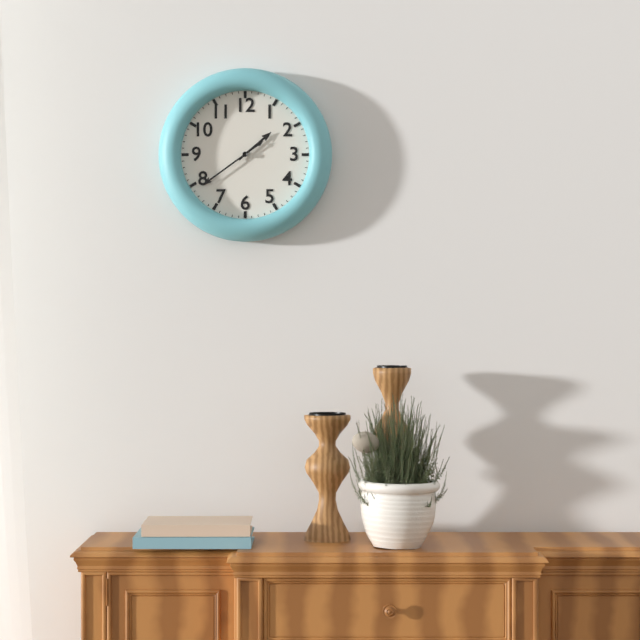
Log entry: 1h39
